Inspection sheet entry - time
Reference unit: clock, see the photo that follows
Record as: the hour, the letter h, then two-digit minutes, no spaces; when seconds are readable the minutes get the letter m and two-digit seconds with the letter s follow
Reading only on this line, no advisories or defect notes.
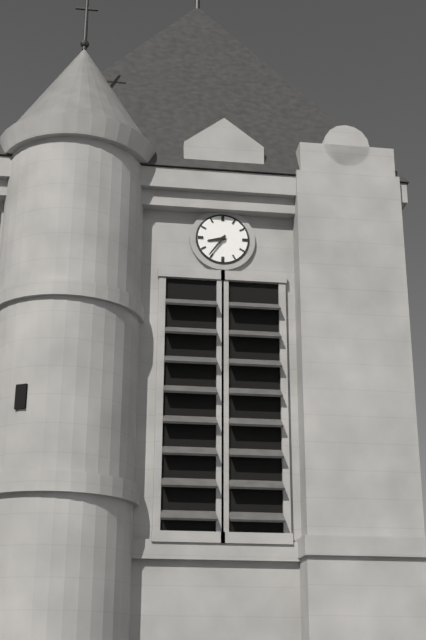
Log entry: 8h36
